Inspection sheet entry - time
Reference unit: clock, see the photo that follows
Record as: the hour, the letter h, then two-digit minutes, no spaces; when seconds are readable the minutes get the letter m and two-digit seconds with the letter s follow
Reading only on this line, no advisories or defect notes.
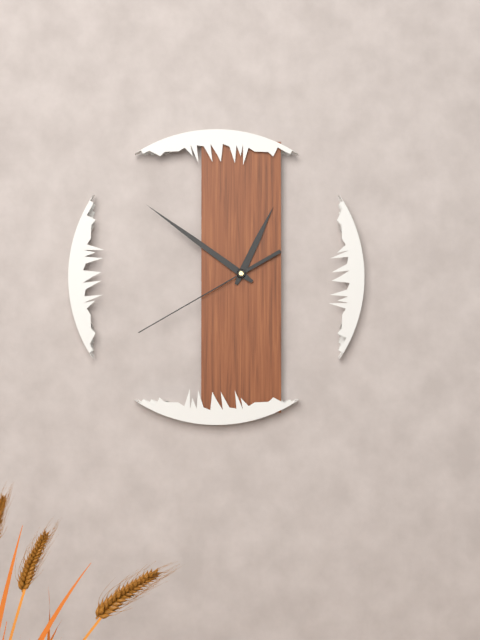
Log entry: 12h51m40s
